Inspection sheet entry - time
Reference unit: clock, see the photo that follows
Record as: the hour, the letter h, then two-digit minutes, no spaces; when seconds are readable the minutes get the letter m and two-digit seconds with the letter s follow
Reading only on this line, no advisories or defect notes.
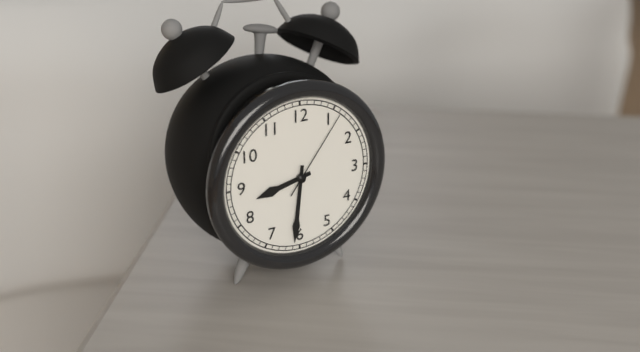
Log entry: 8h31m06s
